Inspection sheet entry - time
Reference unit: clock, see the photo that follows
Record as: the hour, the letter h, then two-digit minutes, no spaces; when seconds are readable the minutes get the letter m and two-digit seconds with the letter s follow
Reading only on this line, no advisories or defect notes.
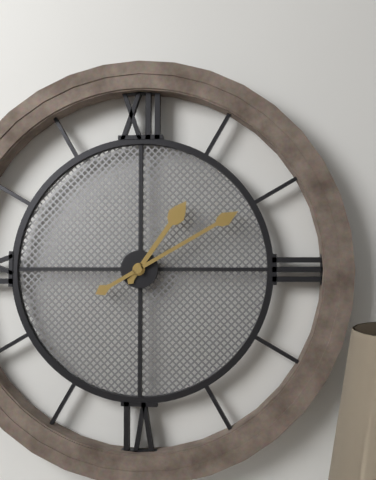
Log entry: 1h10
